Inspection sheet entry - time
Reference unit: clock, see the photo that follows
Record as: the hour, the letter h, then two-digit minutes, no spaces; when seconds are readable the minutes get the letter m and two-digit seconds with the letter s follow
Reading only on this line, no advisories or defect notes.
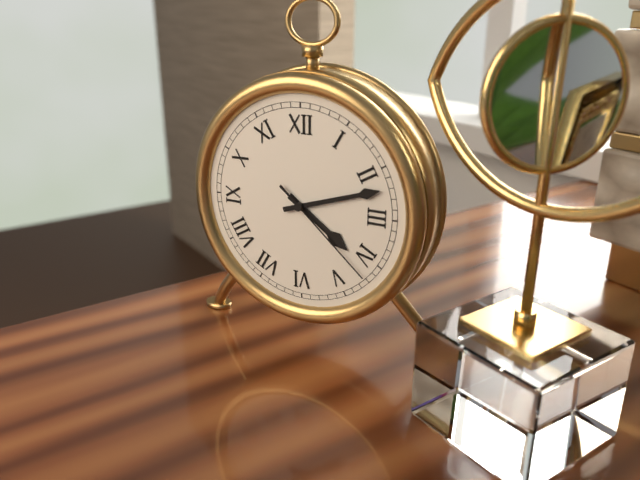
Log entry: 4h12m22s
